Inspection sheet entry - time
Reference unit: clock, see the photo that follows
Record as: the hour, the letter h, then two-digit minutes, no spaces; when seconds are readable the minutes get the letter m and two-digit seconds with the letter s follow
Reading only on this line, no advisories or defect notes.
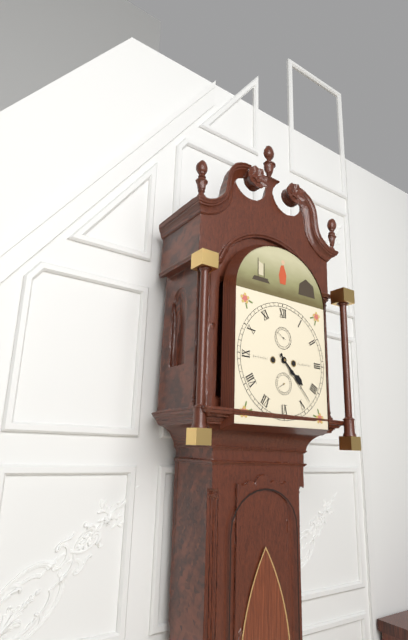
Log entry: 4h23
